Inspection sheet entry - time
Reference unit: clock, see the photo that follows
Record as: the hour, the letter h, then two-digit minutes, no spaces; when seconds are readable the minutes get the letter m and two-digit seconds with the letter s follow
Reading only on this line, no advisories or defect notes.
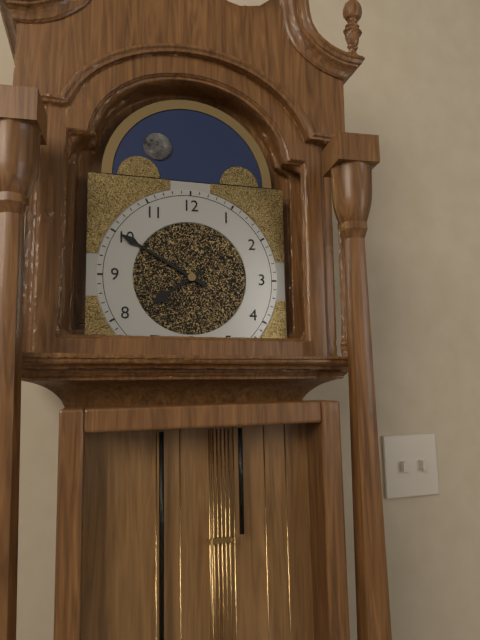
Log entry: 7h50
